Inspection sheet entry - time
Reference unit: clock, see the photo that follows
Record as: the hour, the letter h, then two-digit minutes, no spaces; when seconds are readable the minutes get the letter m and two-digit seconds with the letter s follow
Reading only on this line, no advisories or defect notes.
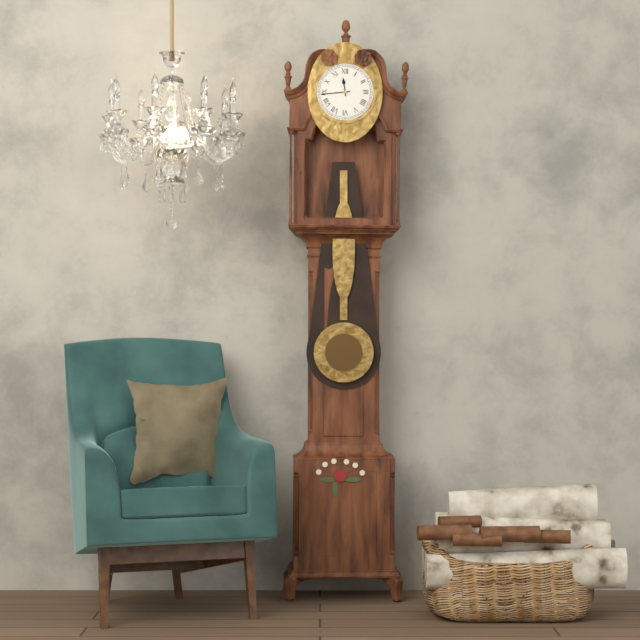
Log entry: 11h44
